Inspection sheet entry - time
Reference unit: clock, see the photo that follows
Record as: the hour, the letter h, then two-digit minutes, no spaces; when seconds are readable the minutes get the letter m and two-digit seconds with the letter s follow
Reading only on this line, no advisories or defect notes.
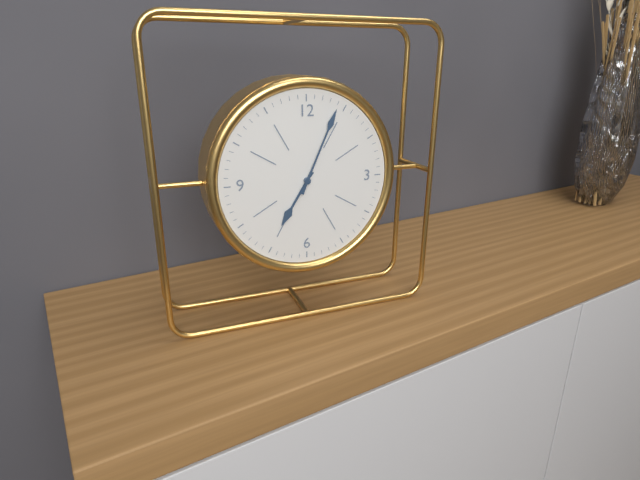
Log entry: 7h04
